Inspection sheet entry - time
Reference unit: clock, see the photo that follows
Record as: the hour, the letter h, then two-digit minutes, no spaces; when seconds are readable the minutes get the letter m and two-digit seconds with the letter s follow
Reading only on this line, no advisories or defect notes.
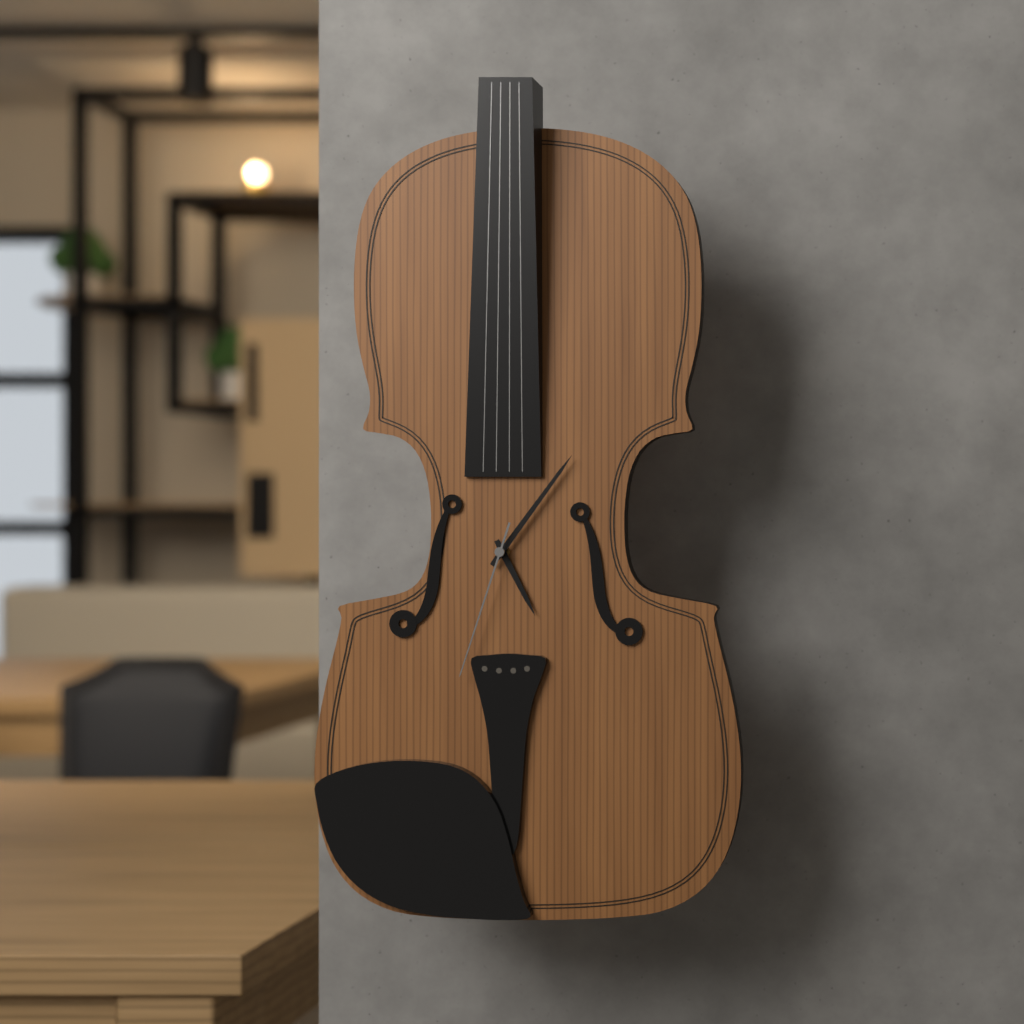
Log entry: 5h06m33s
